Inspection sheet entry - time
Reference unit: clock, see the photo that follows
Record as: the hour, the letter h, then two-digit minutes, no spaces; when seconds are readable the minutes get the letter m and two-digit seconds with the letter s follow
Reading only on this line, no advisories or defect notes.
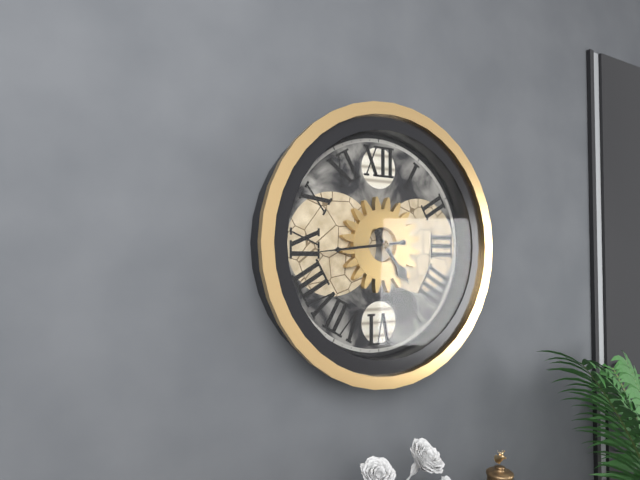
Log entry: 4h44
